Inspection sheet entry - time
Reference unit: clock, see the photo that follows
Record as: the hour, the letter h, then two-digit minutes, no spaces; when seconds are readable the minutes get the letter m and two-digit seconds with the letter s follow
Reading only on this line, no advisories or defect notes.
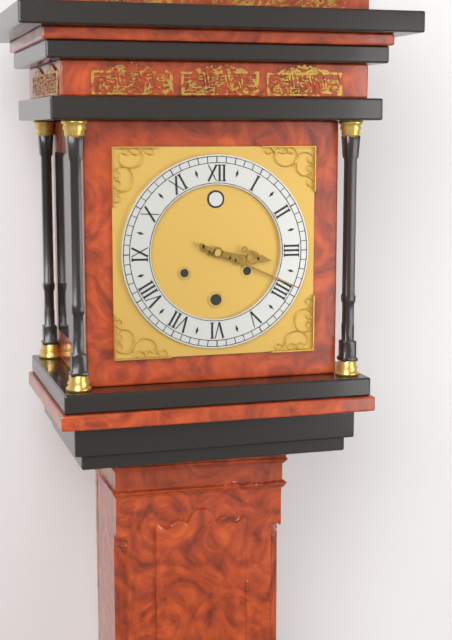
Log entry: 3h19
